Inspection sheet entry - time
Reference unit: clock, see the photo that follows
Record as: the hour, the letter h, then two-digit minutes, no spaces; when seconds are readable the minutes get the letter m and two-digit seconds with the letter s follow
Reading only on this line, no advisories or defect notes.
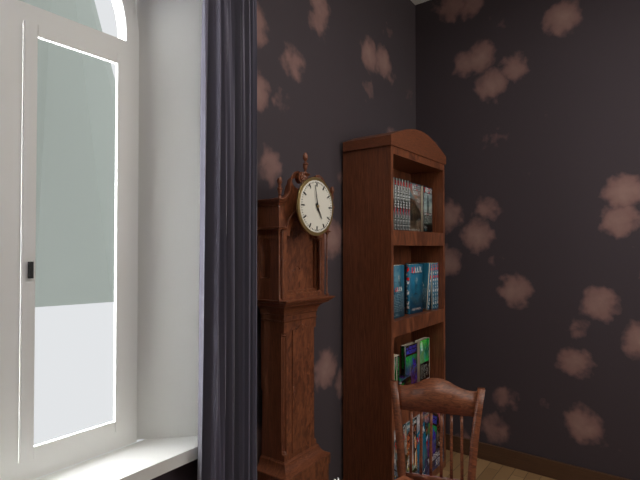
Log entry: 4h58
